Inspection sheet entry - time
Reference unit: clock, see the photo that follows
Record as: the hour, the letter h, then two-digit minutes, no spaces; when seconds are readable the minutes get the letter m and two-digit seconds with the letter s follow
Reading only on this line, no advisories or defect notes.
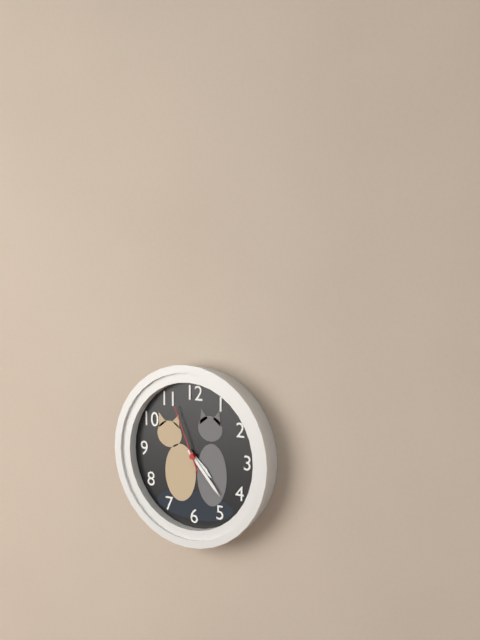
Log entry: 4h23m56s
